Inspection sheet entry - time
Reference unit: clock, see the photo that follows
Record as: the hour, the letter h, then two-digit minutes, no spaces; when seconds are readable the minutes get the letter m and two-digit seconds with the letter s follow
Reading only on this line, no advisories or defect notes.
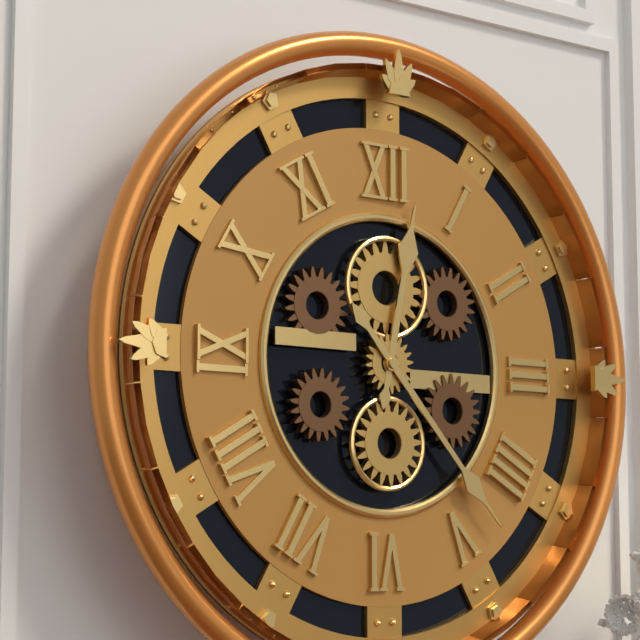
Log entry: 12h23
